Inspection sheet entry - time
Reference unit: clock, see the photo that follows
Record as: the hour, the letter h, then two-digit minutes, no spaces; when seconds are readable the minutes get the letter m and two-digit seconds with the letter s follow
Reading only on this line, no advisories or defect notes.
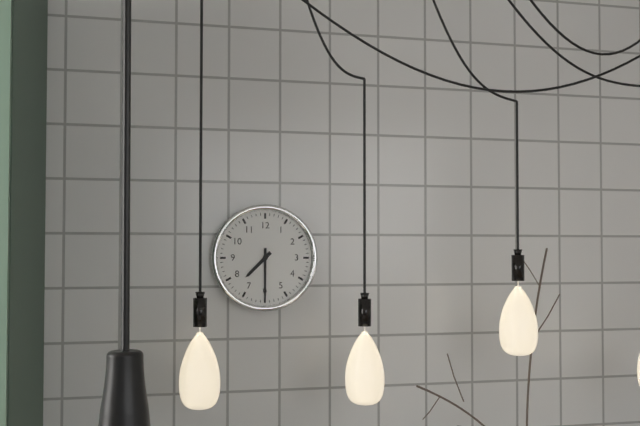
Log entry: 7h30
